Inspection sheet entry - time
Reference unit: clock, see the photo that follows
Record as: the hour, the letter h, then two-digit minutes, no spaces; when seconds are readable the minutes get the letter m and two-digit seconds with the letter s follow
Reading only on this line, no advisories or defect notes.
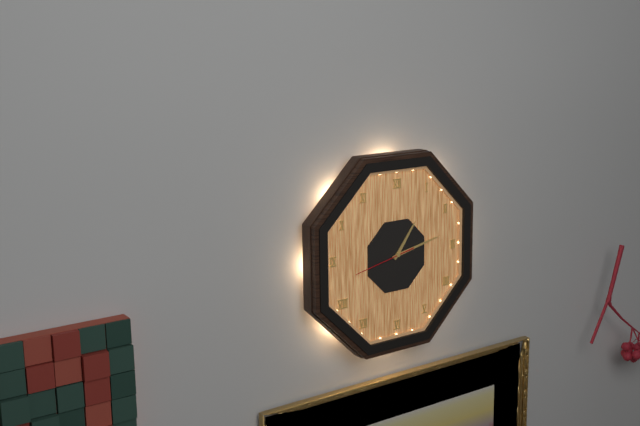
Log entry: 1h13
